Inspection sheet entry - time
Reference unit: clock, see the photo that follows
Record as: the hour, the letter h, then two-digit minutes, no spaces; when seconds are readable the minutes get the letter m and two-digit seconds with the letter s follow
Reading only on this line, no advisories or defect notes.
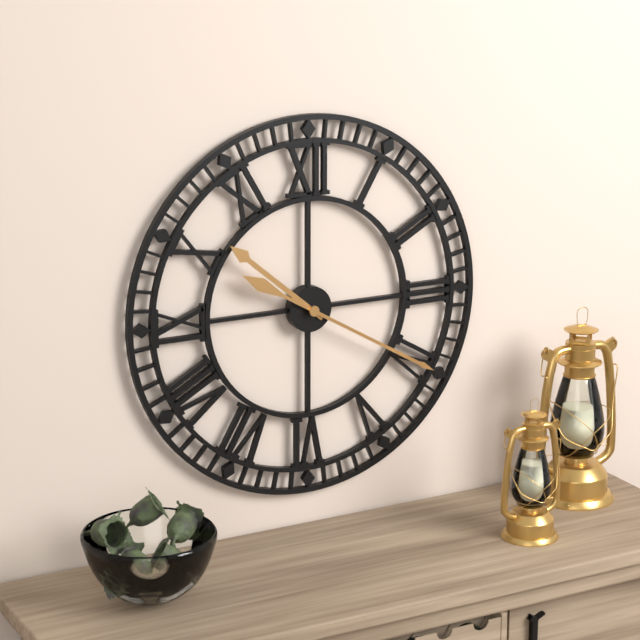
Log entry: 10h20
